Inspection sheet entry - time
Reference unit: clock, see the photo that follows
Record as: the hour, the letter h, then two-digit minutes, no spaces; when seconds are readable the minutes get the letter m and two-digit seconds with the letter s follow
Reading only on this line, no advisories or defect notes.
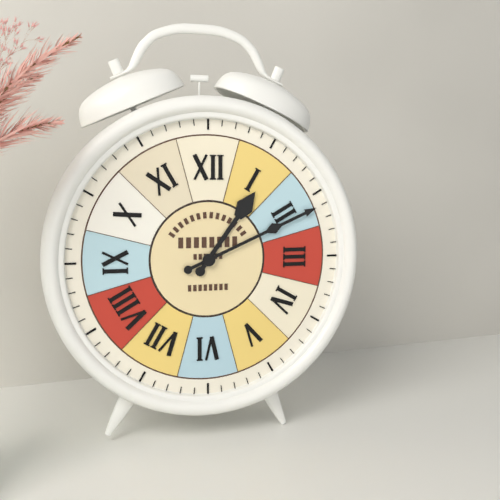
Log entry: 1h11
